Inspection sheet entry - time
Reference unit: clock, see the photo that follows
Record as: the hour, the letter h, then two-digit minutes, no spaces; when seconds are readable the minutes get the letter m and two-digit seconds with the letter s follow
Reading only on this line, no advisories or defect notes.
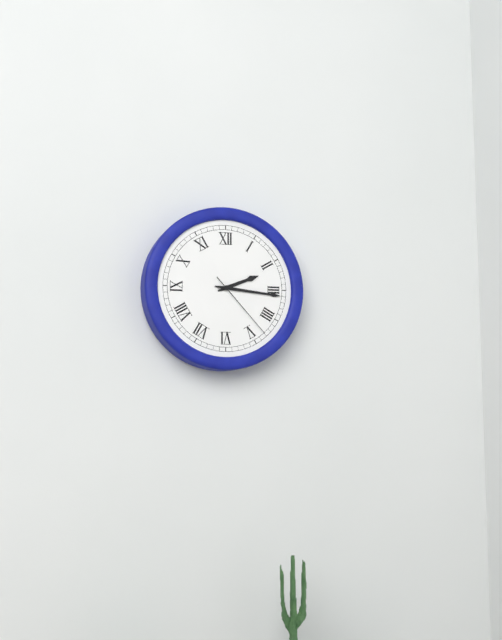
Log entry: 2h16m23s
